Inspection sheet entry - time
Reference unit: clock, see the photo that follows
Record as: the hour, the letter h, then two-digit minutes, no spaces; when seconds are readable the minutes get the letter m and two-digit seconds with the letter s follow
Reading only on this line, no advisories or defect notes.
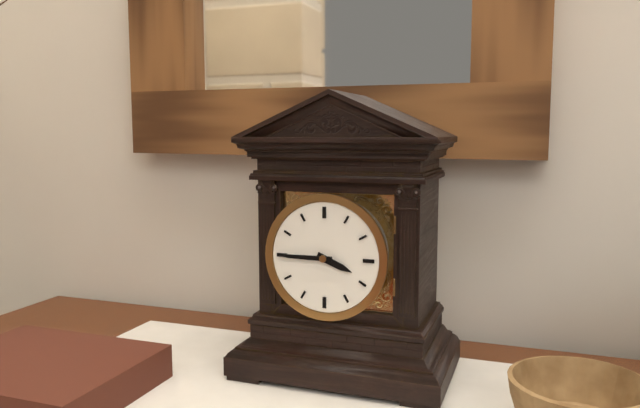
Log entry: 3h45
